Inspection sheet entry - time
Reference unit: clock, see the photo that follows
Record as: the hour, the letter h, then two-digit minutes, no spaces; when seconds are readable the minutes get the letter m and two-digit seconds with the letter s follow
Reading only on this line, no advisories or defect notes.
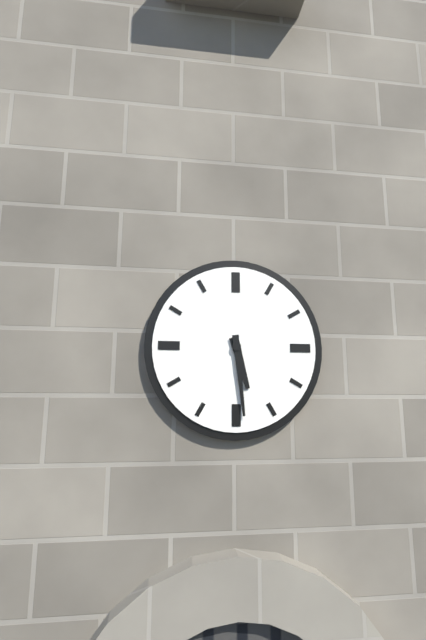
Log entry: 5h29
